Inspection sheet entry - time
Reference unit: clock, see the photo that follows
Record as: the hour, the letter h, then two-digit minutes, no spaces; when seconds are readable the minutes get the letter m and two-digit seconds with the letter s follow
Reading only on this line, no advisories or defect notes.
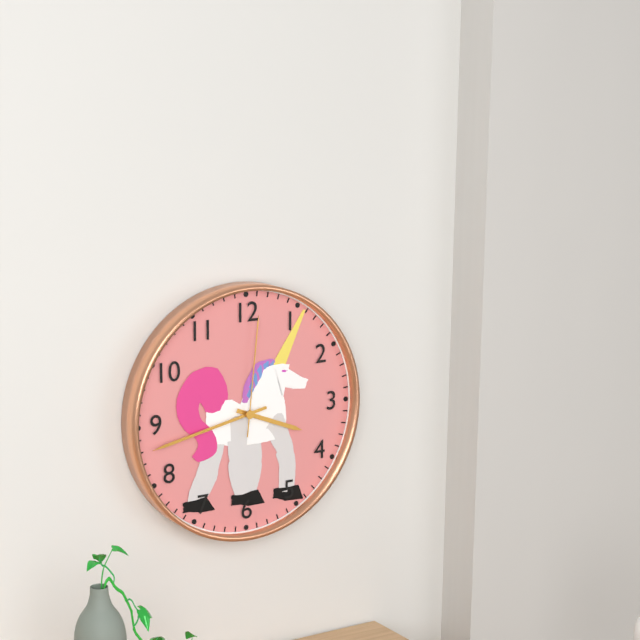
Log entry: 3h43m01s
